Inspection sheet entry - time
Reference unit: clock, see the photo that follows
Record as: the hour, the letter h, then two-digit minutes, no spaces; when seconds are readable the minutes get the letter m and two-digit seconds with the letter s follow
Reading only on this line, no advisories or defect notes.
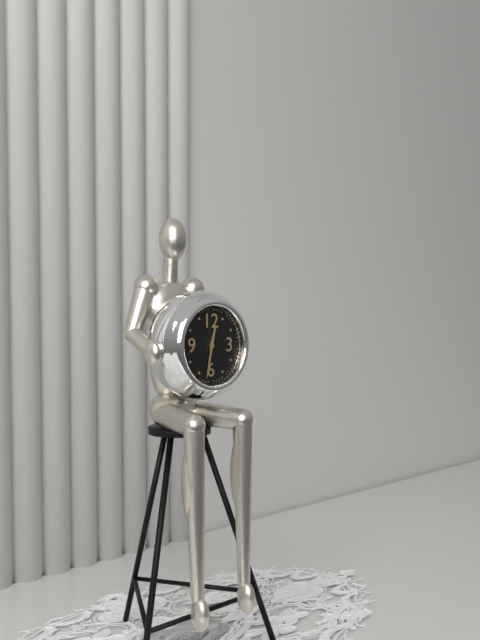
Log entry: 12h32
